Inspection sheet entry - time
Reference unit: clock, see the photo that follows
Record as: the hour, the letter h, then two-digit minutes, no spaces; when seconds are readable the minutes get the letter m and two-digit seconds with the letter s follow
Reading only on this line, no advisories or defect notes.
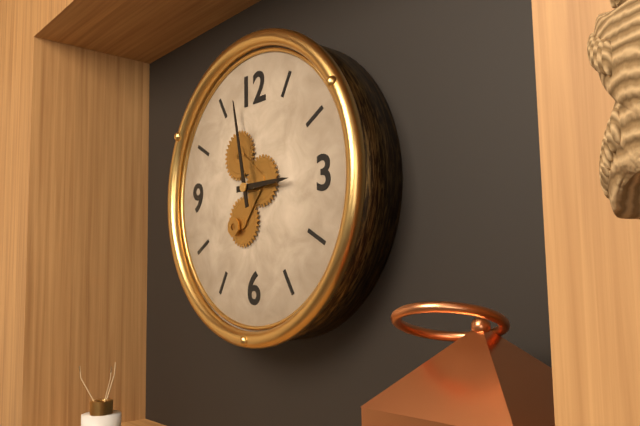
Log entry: 2h58
